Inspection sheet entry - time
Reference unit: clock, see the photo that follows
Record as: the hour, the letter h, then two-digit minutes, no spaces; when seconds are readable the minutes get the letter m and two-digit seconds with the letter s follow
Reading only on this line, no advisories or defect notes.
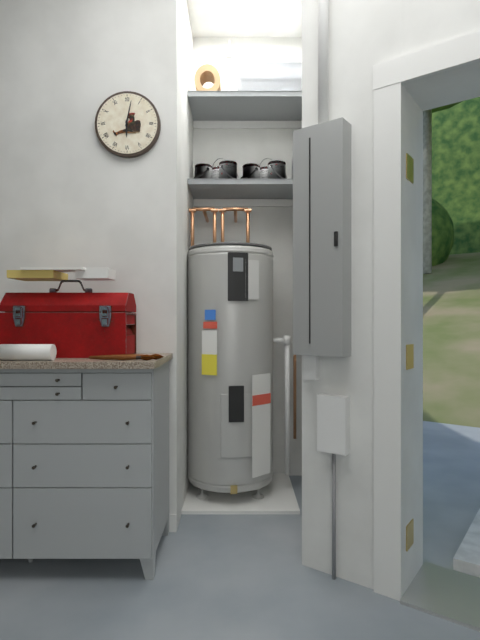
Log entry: 6h02
